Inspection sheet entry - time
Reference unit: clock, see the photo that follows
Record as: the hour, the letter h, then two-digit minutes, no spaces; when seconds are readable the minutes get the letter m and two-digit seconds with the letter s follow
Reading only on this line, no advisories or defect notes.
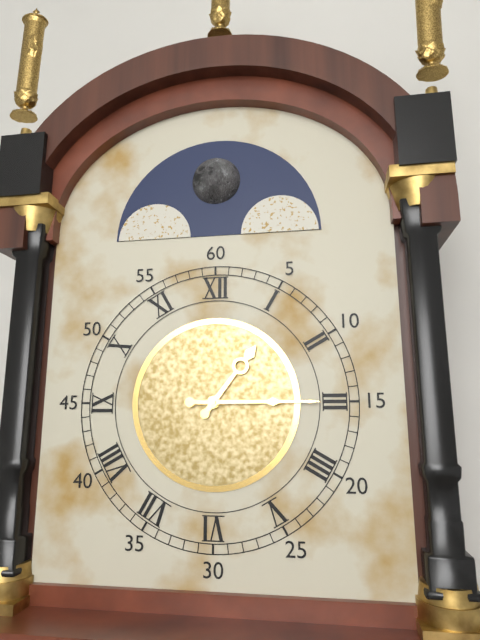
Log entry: 1h15
